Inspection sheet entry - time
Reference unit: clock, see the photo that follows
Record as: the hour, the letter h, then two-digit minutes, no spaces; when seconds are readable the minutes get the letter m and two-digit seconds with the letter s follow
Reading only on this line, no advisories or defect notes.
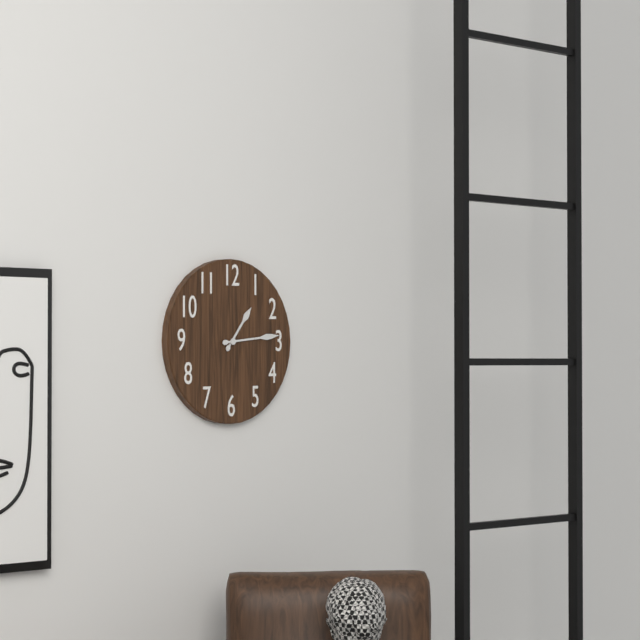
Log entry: 1h14
